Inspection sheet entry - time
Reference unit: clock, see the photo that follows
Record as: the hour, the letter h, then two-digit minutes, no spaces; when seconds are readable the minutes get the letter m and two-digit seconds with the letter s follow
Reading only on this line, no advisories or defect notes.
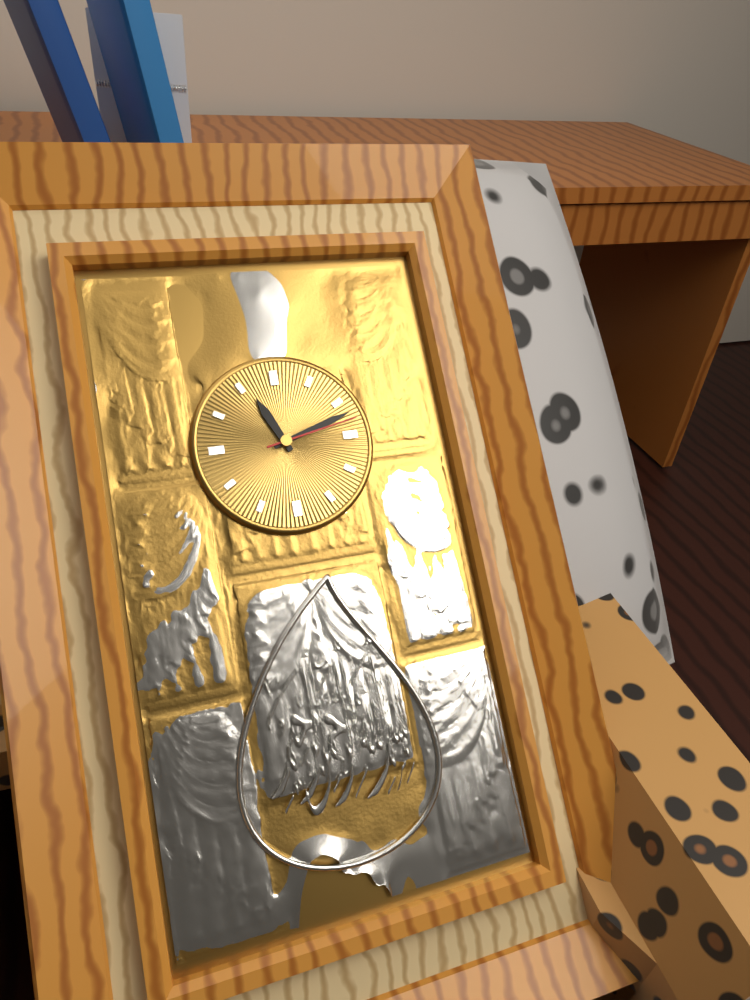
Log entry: 11h12m13s
